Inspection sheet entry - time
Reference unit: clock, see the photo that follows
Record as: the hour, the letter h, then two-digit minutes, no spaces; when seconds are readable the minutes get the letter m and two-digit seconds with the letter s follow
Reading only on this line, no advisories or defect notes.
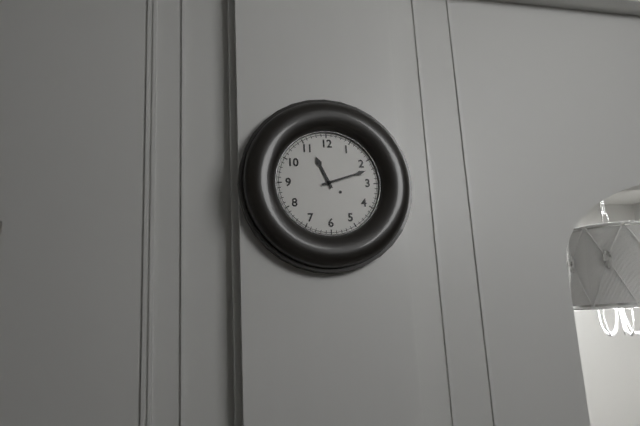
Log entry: 11h12
